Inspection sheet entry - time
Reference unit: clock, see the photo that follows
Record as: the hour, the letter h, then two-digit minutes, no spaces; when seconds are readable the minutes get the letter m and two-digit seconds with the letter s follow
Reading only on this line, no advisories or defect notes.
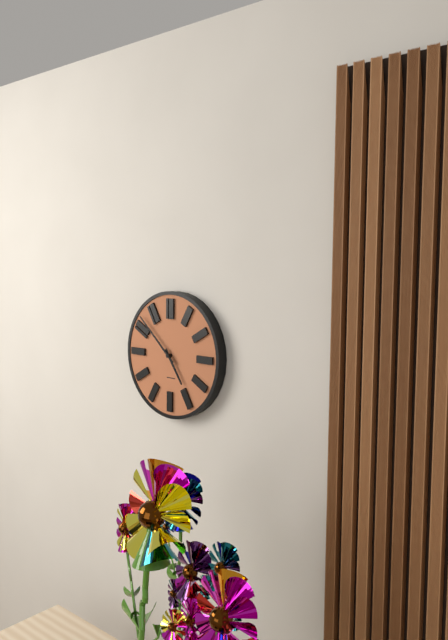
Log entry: 4h52
